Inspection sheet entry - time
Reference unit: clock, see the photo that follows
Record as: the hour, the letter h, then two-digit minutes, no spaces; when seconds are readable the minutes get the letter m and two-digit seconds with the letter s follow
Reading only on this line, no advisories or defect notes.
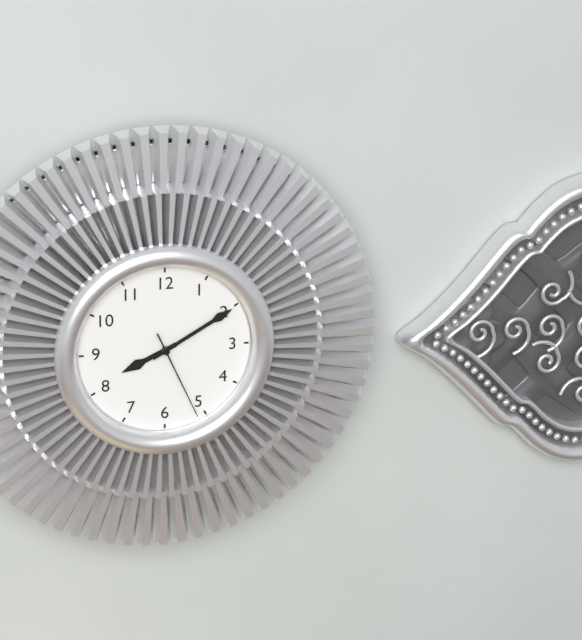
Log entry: 8h10m26s
